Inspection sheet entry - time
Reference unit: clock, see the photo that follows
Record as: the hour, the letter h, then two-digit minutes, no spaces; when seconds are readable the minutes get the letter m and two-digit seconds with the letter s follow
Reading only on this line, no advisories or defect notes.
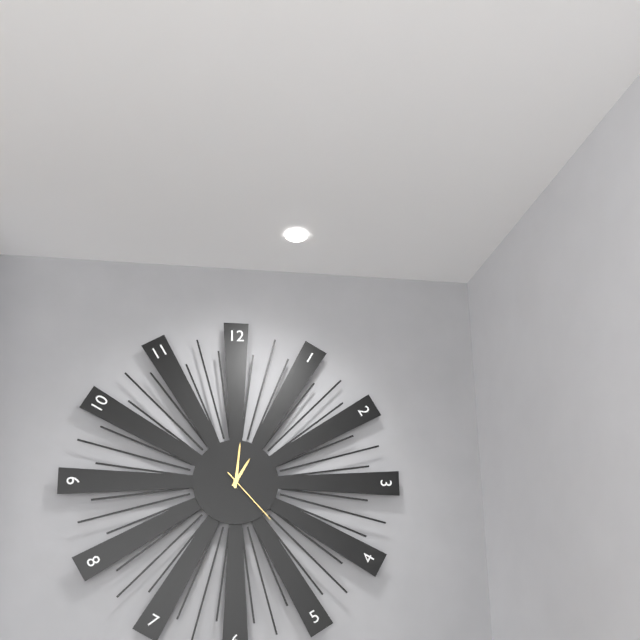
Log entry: 1h01m23s
